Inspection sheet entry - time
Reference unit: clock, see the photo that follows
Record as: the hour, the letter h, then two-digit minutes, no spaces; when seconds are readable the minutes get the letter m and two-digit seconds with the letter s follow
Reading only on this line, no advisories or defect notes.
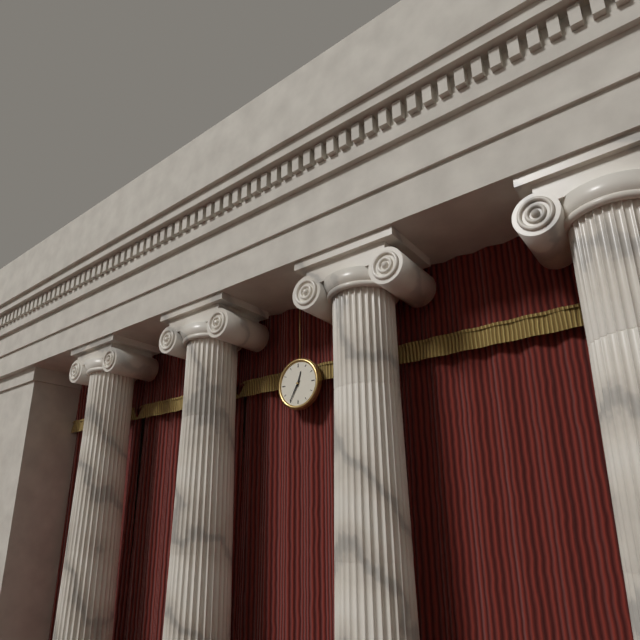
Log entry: 12h35
